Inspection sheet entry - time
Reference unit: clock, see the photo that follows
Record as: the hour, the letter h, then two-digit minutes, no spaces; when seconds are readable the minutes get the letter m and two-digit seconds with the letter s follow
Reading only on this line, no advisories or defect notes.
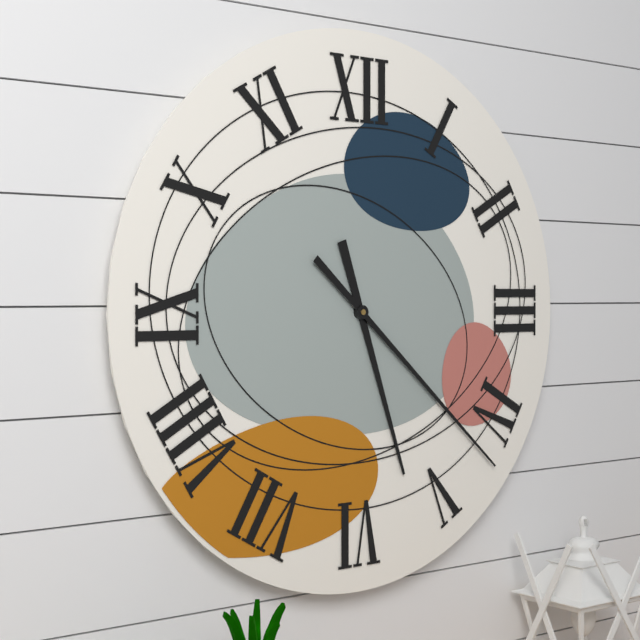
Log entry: 5h22
